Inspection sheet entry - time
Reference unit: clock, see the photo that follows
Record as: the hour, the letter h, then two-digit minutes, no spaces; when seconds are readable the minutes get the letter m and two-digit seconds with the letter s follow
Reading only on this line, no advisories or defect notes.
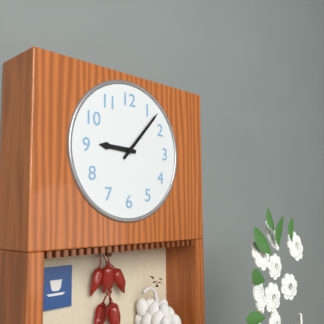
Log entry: 9h07
